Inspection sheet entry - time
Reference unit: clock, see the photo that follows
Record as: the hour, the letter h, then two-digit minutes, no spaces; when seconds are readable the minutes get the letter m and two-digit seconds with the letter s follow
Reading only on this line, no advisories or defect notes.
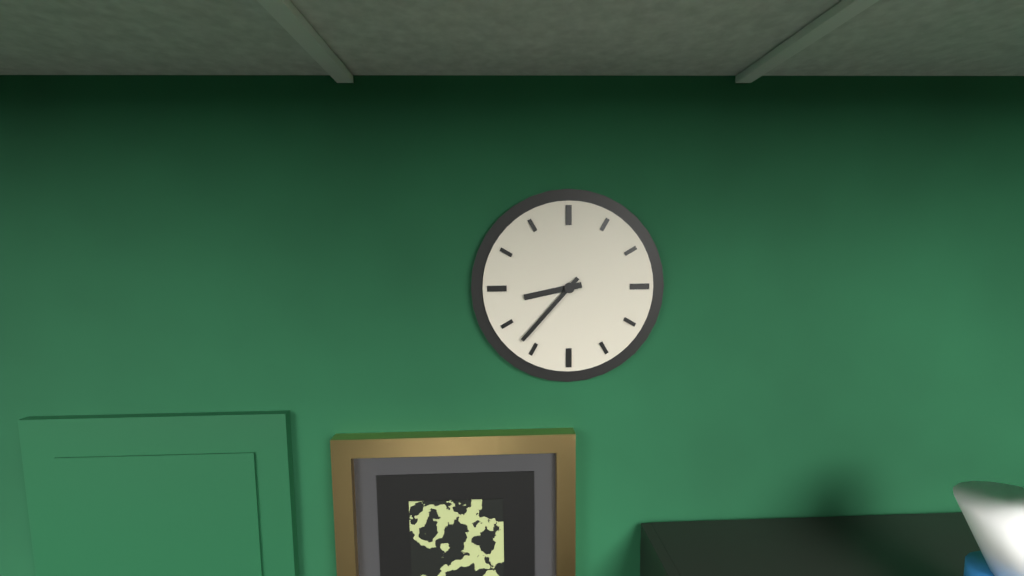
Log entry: 8h37
